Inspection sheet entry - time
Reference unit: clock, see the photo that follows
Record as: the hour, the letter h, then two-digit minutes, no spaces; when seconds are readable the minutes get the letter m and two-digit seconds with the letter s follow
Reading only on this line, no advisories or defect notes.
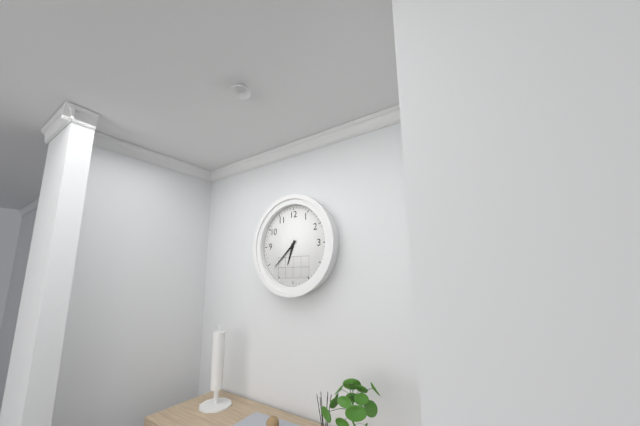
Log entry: 6h38
